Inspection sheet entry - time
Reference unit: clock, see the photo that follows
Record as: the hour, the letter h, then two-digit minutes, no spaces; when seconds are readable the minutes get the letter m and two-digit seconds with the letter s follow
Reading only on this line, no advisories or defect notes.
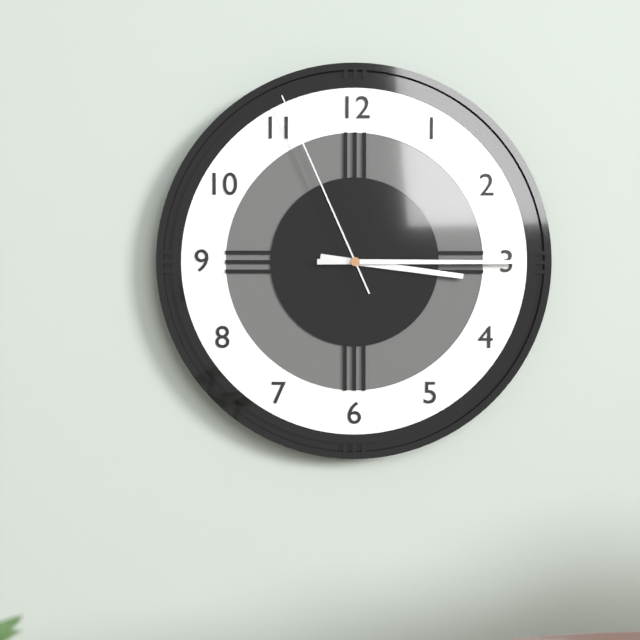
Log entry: 3h15m56s
